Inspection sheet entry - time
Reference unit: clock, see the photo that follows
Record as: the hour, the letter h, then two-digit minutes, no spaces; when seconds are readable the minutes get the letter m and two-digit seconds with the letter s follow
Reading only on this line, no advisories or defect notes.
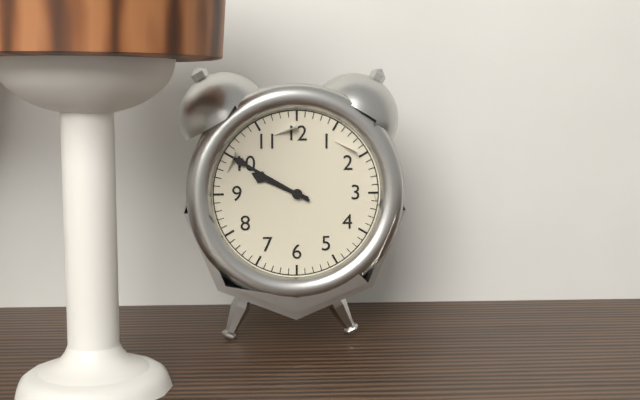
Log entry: 9h50
